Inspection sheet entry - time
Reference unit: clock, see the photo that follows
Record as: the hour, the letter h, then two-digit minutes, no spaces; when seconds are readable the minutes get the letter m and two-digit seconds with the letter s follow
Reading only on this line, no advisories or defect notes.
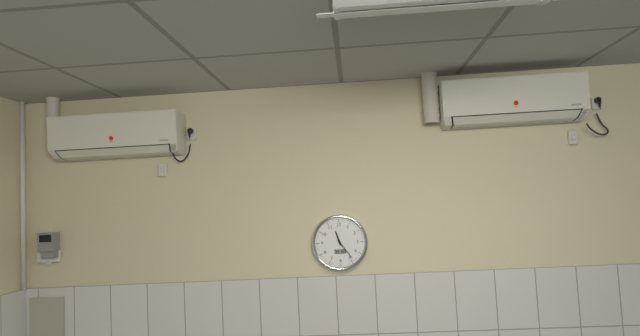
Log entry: 11h24
